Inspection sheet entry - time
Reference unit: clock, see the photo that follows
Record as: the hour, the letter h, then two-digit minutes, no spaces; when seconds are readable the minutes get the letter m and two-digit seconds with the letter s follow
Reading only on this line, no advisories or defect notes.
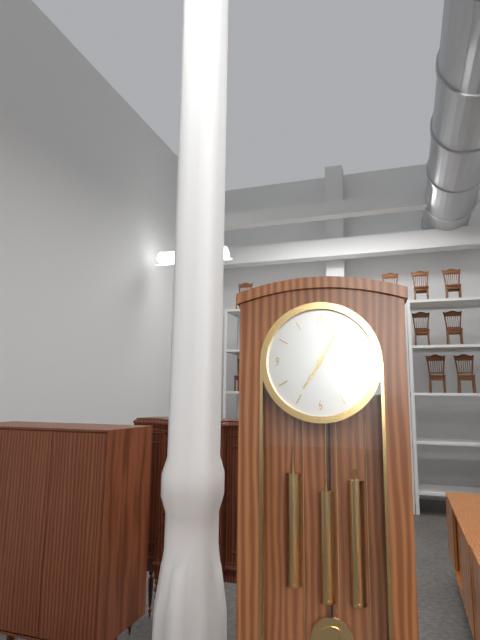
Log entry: 7h05
